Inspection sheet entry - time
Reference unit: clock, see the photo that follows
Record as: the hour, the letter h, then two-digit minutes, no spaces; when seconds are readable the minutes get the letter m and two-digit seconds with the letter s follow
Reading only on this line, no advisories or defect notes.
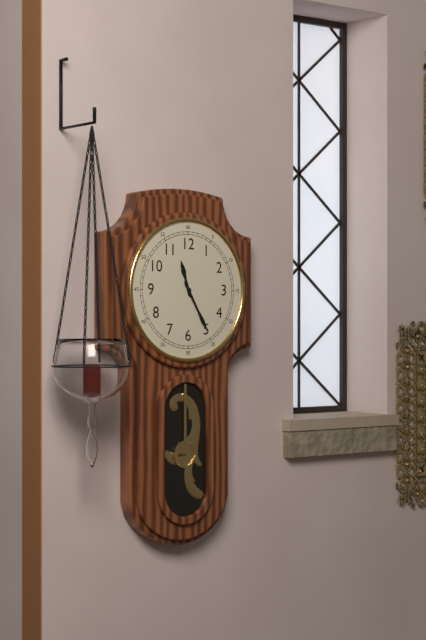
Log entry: 11h25
